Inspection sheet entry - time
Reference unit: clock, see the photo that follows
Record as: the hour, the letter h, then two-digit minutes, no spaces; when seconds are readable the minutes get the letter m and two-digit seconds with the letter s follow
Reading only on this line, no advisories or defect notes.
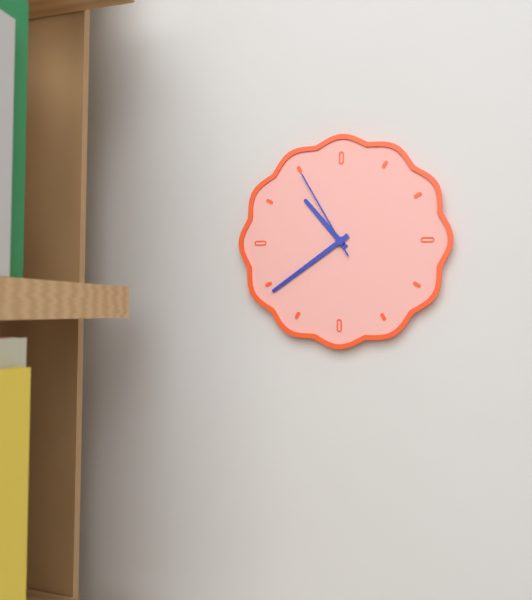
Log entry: 10h39m55s
